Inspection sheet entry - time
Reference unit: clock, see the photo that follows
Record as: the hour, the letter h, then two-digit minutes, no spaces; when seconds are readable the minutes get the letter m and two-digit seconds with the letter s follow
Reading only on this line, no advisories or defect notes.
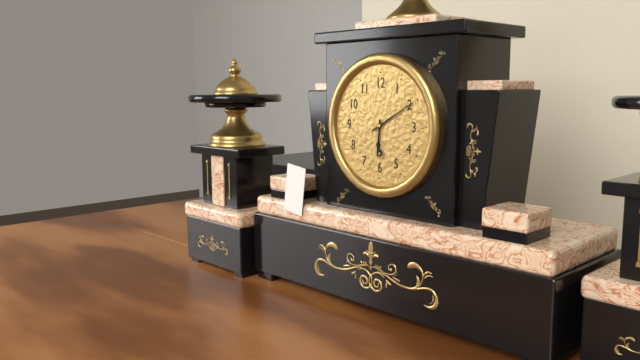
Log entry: 6h10
